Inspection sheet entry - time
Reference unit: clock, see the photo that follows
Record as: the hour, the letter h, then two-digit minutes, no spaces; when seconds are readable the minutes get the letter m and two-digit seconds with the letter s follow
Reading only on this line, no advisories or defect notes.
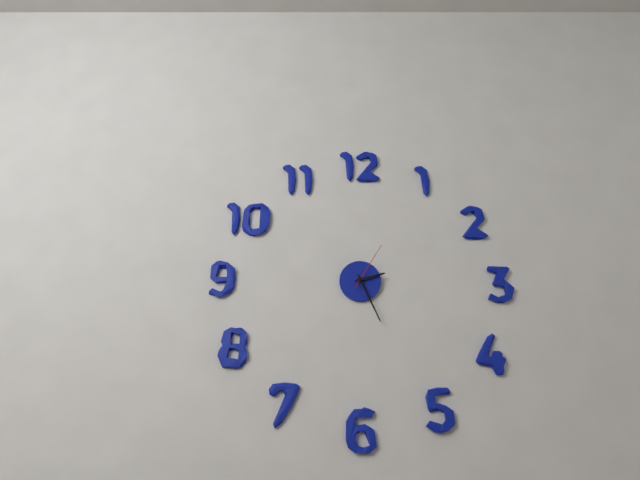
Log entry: 2h26m05s
